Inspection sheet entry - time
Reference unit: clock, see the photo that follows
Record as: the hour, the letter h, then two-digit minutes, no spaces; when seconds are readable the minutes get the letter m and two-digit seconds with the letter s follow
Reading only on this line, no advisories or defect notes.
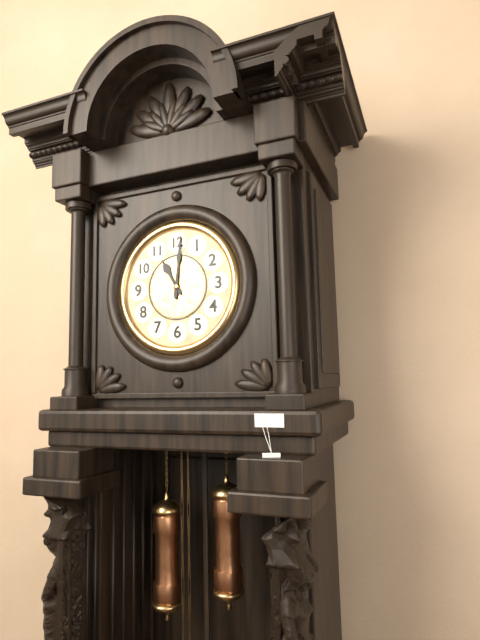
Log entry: 11h01
